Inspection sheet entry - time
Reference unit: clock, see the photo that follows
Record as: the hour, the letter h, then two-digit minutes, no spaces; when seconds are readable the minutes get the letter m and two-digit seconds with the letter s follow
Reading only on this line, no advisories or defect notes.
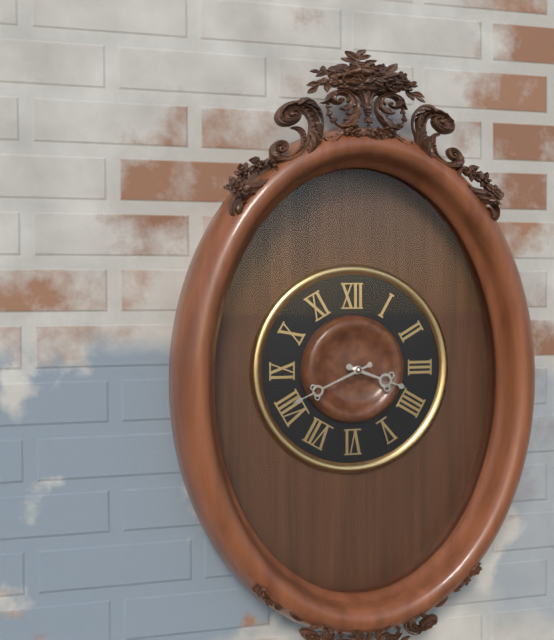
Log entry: 3h41
